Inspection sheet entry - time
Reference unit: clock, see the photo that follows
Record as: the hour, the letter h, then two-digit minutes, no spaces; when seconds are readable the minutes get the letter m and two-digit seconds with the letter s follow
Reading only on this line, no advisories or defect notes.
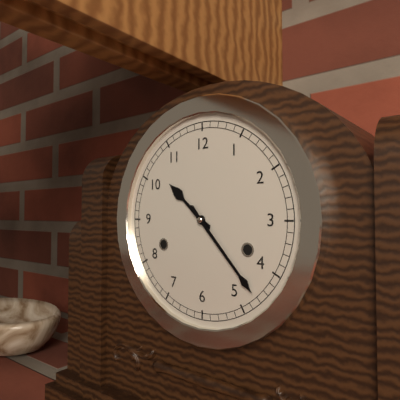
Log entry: 10h23
